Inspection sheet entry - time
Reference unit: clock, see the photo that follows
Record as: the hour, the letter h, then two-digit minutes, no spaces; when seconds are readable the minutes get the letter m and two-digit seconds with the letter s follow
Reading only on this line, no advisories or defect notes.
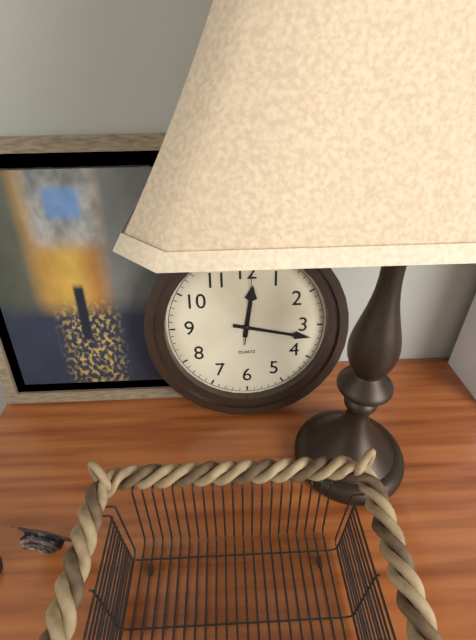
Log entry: 12h17m01s
